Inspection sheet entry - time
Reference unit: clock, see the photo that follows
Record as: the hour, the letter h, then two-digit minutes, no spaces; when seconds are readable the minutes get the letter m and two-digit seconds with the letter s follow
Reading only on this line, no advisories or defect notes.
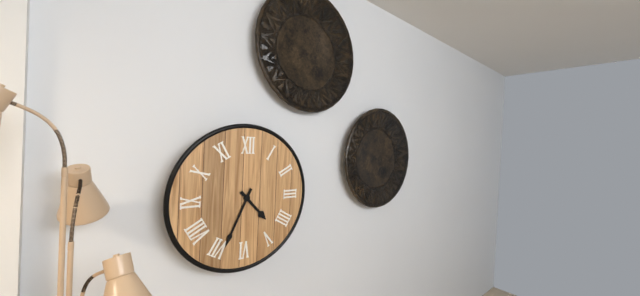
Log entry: 4h34
